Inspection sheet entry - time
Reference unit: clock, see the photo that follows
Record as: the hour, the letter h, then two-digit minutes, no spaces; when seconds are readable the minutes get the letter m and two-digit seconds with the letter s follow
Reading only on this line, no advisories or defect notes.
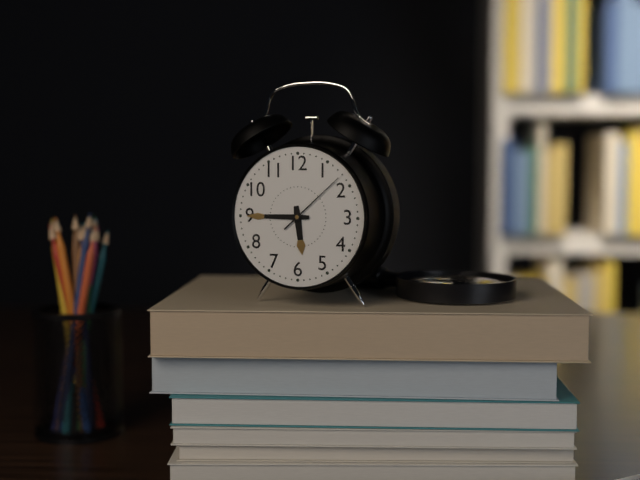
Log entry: 5h45m08s
